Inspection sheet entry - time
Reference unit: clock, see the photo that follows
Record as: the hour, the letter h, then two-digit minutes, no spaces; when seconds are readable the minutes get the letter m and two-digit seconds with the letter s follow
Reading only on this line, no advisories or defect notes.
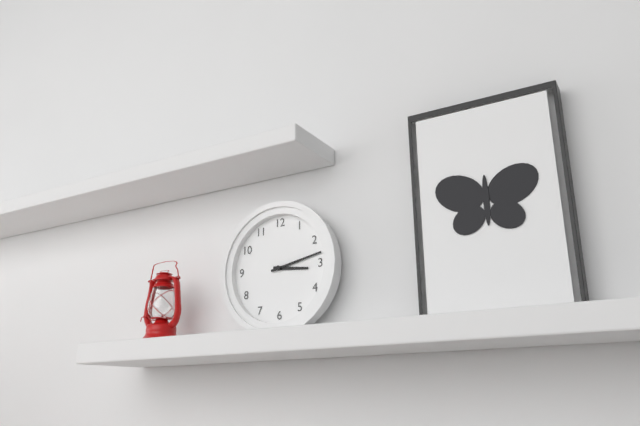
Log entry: 3h13
